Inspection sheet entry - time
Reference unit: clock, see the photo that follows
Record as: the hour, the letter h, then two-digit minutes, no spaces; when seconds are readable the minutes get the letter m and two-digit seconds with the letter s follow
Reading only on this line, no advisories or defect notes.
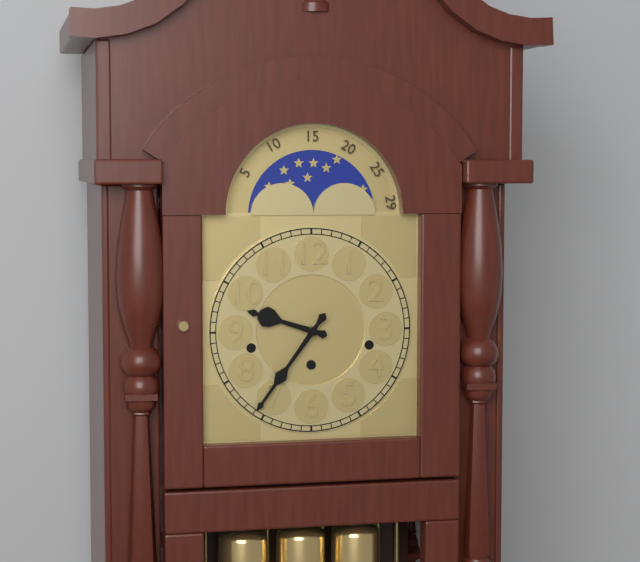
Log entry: 9h36
